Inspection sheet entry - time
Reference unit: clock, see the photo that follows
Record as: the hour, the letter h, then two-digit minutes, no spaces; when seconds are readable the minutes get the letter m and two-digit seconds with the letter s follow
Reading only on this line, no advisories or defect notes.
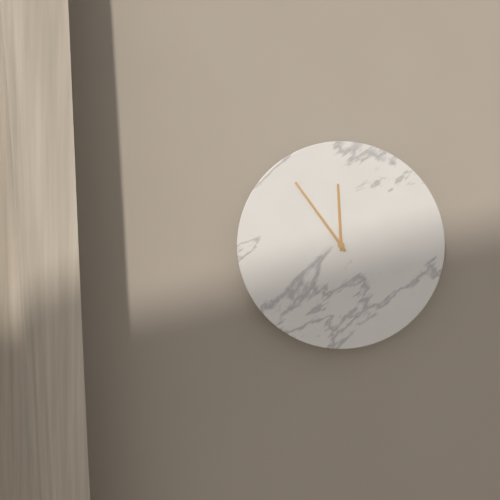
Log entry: 11h54
